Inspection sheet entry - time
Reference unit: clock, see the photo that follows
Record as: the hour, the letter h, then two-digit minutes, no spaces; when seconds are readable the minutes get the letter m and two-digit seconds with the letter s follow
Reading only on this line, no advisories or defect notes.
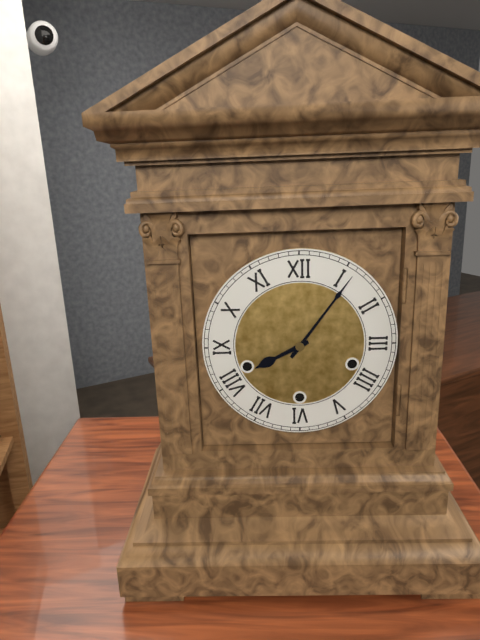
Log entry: 8h06
